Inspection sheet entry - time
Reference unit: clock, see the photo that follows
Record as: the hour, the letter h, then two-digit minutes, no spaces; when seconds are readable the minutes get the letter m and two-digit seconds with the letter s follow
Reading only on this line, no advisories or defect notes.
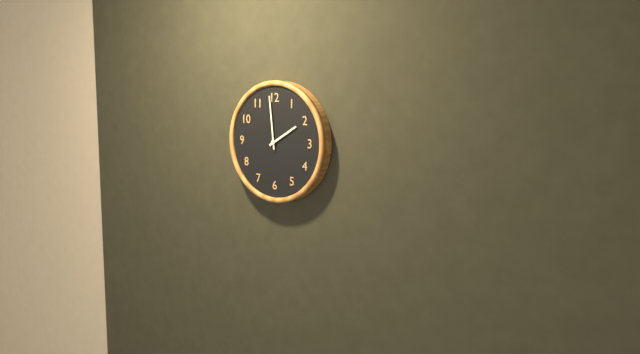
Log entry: 1h59
